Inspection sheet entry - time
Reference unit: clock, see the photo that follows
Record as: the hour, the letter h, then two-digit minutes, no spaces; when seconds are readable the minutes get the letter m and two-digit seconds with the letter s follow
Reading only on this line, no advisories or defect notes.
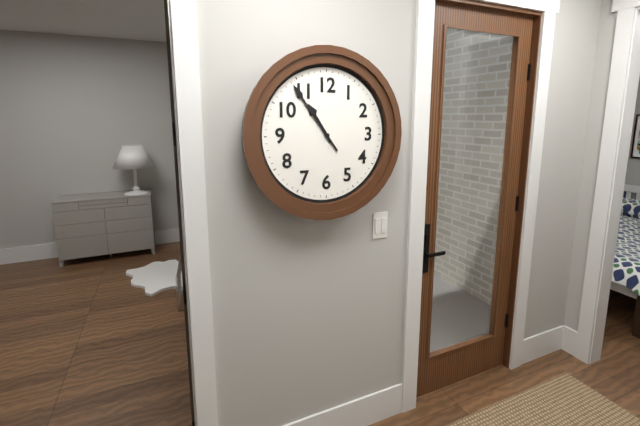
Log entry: 10h54
